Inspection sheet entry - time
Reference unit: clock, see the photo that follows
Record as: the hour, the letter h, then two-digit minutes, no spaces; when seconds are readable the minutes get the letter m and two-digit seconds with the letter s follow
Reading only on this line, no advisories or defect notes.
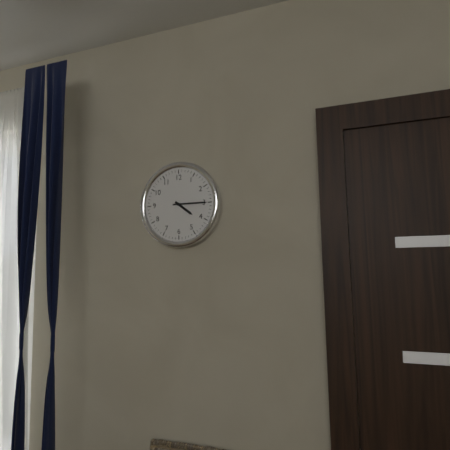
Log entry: 4h15
